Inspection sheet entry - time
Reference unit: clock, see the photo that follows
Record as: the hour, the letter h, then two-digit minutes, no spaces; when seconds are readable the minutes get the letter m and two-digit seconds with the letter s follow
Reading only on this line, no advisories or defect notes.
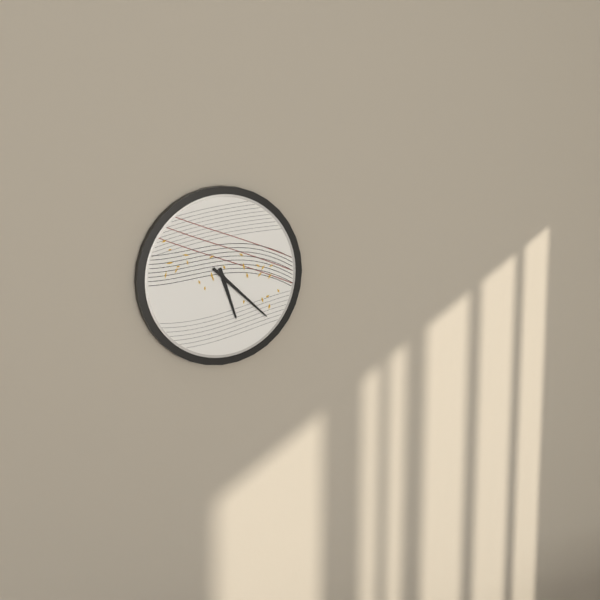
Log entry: 5h22
